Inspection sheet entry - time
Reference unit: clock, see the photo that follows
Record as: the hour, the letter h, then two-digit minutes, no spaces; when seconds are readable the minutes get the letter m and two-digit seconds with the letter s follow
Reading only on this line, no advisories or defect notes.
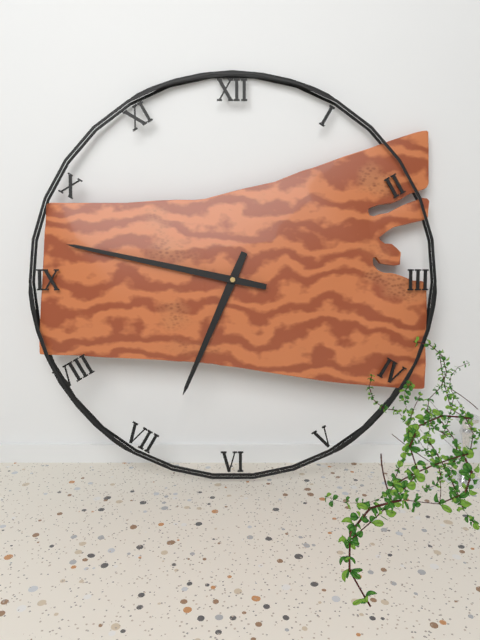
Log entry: 6h47
